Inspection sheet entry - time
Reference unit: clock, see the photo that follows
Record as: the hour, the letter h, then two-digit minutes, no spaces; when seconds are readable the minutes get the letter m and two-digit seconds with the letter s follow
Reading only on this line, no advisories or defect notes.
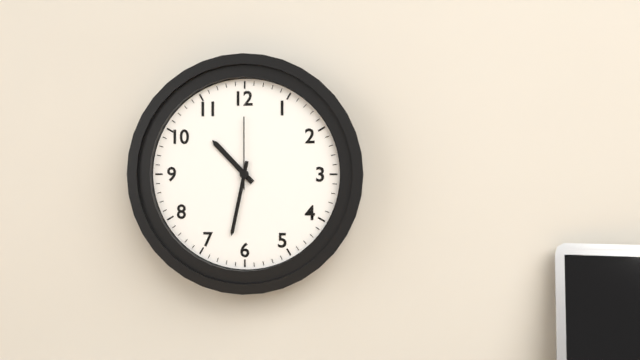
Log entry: 10h32m00s
